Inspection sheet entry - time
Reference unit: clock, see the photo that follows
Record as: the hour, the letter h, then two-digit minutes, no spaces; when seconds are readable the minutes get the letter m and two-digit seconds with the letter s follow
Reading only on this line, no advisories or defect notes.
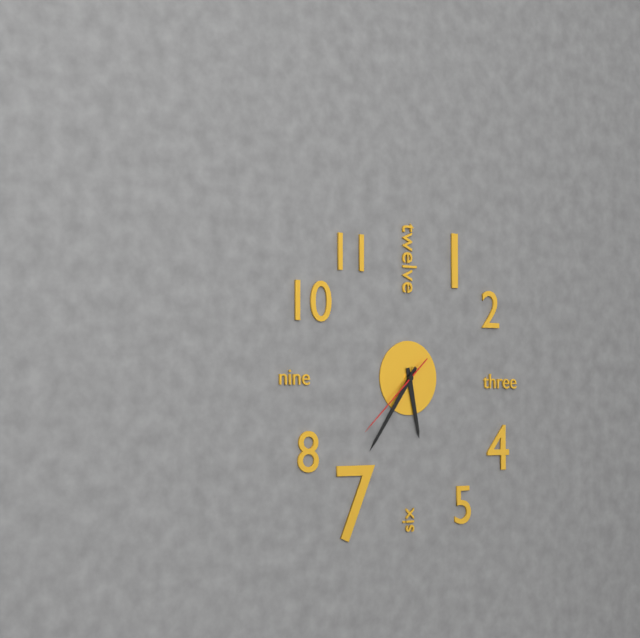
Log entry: 5h36m38s
